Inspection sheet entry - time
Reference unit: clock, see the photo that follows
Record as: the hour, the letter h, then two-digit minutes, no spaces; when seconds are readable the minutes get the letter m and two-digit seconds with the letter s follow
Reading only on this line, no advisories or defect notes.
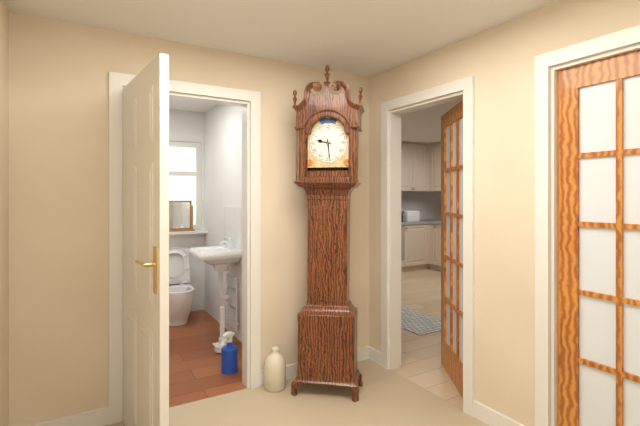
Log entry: 9h29
